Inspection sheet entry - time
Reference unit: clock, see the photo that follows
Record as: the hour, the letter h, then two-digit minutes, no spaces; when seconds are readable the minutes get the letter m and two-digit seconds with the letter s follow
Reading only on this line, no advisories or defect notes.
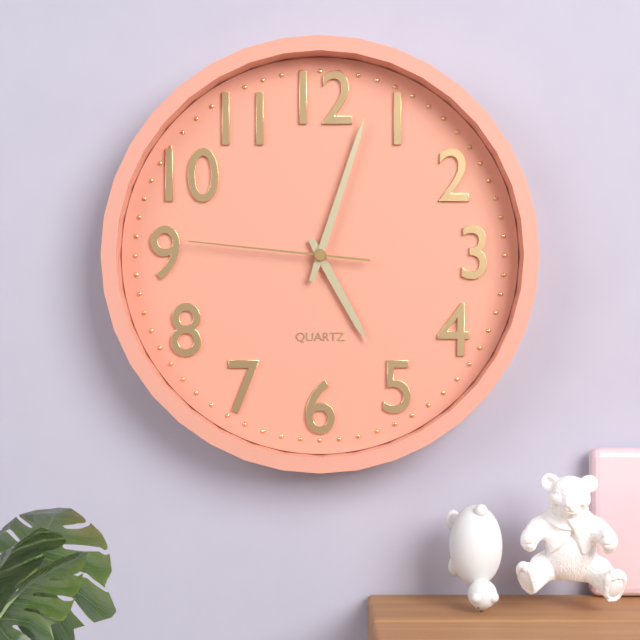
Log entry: 5h03m46s
